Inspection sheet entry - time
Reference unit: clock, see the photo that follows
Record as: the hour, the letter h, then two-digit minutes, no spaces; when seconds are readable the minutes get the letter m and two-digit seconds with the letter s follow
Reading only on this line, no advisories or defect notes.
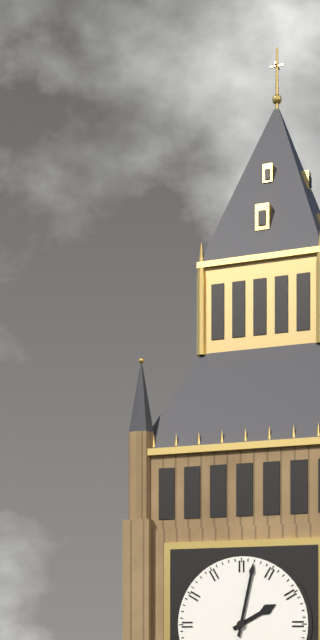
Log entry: 2h02
